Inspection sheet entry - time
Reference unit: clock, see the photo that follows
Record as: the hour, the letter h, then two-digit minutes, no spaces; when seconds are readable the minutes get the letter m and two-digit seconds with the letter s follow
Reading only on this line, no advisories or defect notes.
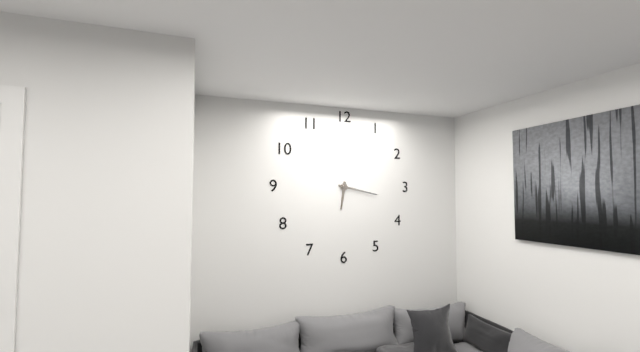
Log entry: 6h17
